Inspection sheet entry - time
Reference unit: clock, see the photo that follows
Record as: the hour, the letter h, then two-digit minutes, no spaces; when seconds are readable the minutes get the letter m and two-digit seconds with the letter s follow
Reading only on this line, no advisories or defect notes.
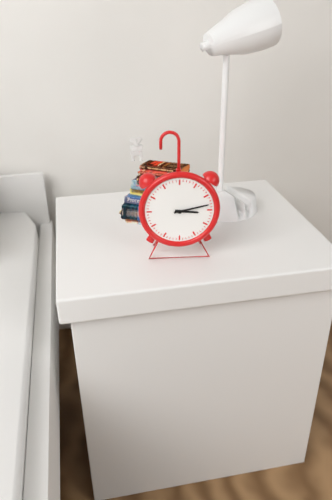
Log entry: 3h13
